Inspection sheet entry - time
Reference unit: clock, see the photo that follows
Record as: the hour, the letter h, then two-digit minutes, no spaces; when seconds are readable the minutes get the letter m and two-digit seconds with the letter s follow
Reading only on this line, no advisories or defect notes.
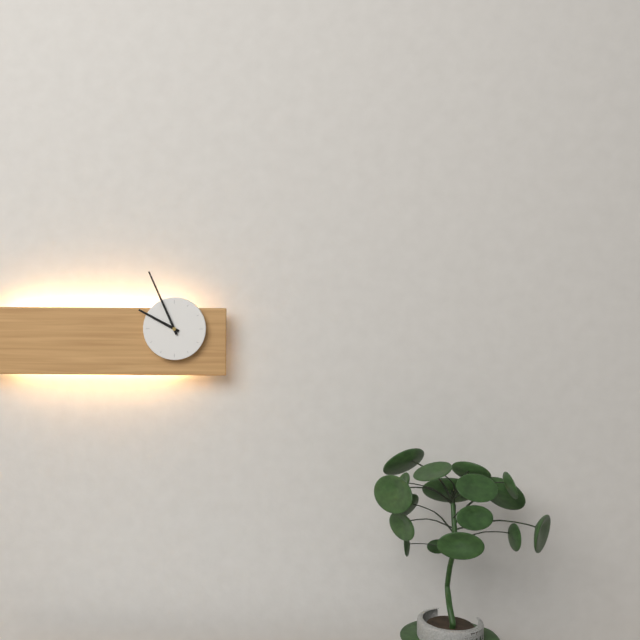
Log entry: 9h56
